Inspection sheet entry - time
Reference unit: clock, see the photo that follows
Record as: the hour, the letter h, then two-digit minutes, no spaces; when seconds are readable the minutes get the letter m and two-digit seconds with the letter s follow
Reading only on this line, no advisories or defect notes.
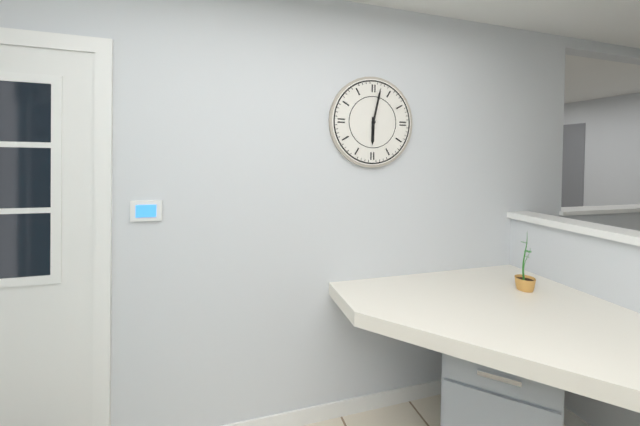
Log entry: 6h02
